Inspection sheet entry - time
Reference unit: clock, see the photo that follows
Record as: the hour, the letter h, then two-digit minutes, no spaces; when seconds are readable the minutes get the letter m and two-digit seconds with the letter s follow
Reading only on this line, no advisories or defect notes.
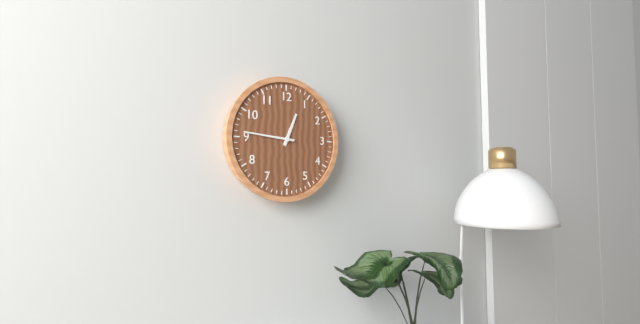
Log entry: 12h46
